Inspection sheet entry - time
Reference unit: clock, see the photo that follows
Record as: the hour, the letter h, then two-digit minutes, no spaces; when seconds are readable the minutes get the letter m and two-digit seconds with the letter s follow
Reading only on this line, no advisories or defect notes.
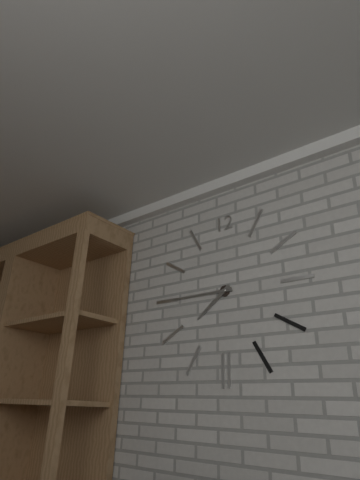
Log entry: 7h45
